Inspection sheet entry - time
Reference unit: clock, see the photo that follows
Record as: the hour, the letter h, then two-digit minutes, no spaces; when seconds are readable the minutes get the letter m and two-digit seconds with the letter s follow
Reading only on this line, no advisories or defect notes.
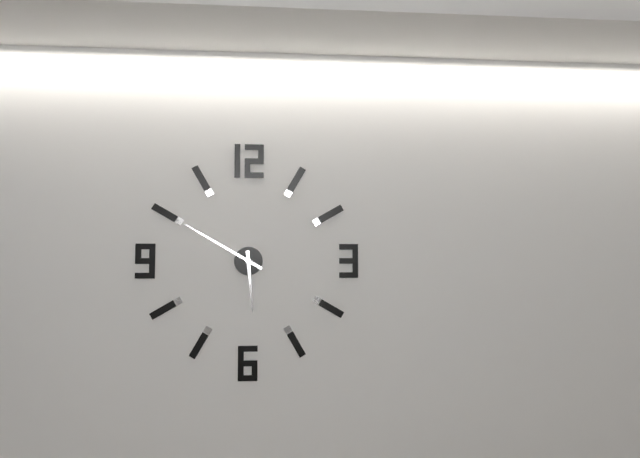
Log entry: 5h50
